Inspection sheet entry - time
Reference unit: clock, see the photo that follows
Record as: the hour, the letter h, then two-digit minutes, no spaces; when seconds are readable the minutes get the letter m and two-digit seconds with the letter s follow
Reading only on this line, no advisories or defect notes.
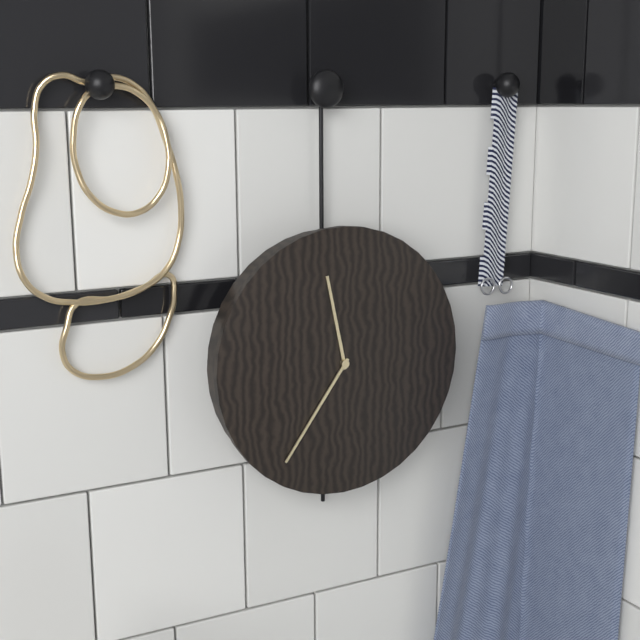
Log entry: 11h36
